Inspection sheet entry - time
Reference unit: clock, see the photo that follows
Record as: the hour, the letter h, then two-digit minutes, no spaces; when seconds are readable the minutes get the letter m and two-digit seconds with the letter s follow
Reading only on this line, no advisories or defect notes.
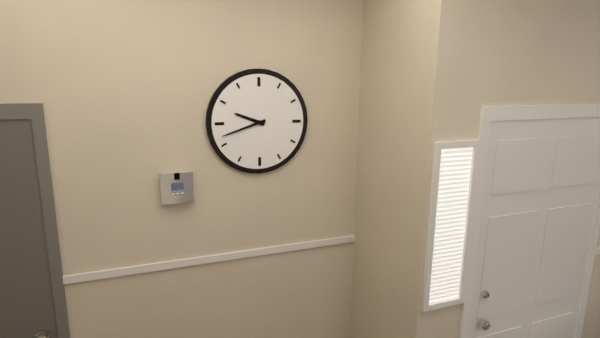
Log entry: 9h42
